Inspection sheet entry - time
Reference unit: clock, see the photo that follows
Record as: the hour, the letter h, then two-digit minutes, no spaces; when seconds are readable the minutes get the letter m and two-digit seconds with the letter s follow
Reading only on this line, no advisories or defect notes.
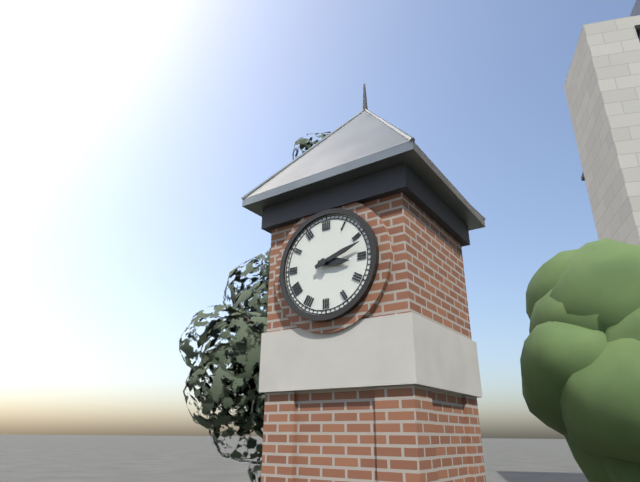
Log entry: 3h12
